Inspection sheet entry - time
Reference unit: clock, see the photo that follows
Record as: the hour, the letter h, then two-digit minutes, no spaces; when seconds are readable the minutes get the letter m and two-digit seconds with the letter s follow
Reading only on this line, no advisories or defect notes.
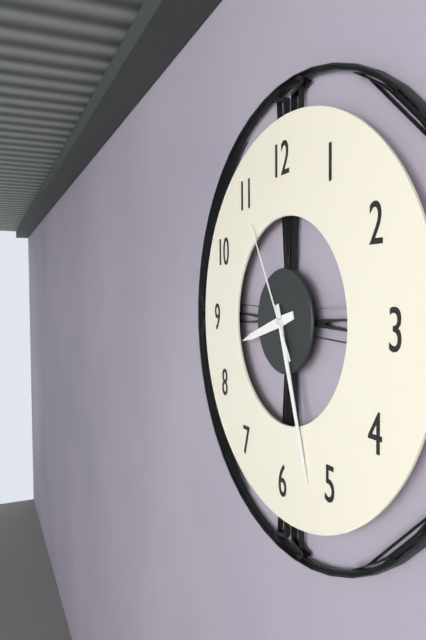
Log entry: 8h27m55s
